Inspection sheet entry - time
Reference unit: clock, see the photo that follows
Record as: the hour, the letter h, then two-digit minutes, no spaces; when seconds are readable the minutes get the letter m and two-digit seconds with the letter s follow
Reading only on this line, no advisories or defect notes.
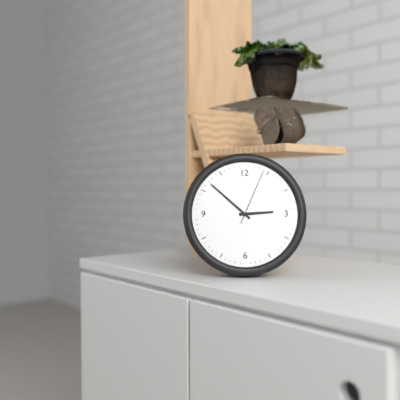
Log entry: 2h52m04s
